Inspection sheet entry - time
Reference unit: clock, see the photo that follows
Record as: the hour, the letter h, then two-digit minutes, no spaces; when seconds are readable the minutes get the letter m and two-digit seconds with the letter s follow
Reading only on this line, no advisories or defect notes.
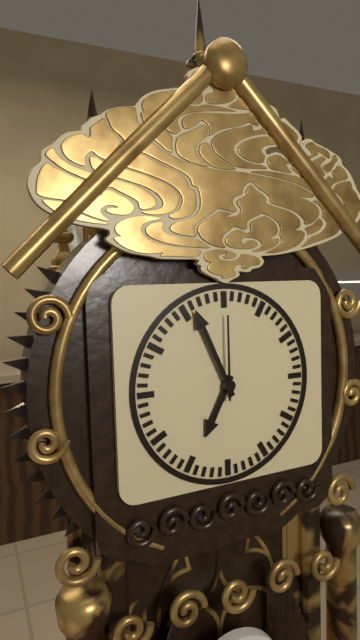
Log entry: 6h56m00s
